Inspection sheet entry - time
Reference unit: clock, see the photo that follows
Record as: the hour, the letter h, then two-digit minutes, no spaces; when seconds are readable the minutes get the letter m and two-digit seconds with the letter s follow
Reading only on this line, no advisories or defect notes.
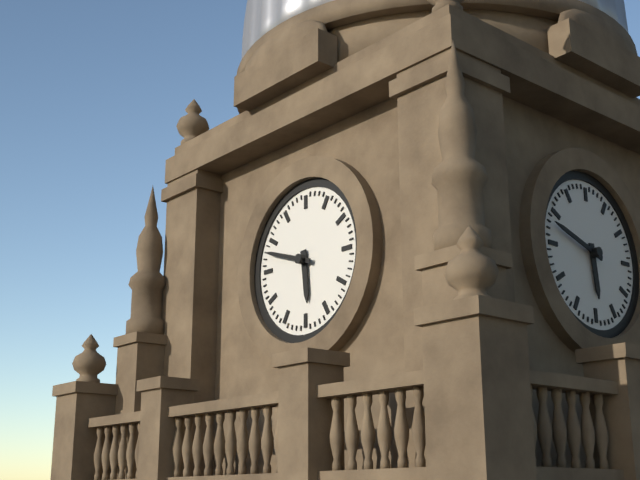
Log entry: 5h48
